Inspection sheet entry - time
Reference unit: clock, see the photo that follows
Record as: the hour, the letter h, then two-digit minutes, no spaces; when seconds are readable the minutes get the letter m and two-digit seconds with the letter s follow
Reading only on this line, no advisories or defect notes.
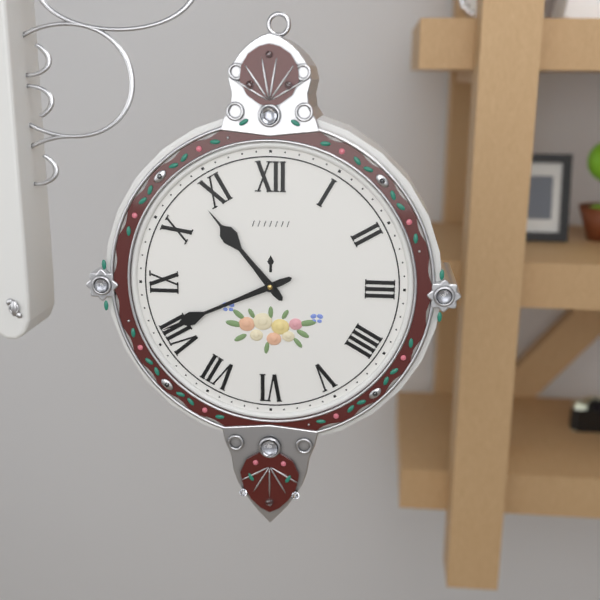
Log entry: 10h41
